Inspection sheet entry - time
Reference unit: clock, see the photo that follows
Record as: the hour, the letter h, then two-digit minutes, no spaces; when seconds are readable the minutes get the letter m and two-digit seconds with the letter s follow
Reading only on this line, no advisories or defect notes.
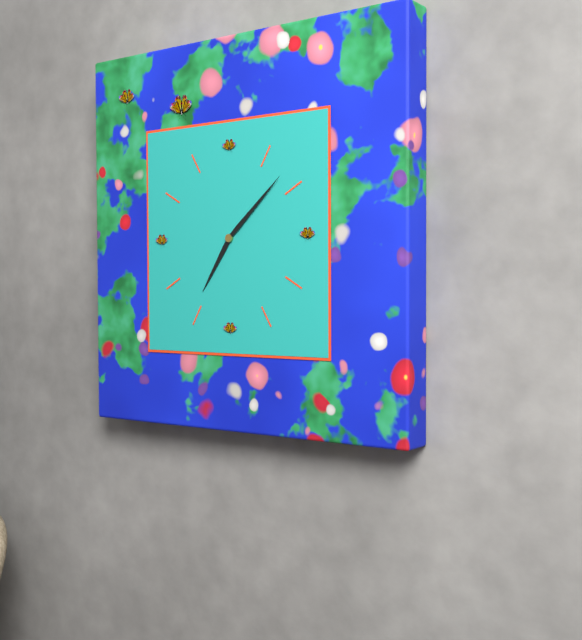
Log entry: 7h08
